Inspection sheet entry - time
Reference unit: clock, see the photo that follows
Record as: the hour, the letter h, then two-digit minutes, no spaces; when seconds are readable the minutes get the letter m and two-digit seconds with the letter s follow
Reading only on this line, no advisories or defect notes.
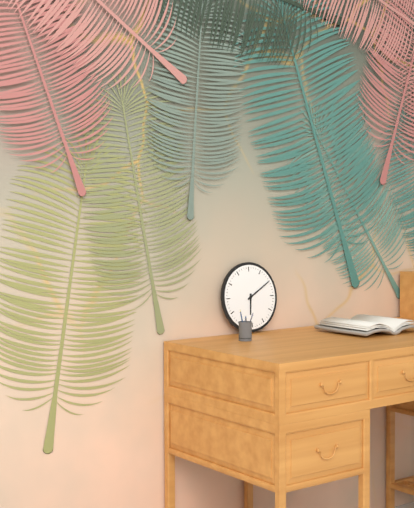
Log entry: 6h10
